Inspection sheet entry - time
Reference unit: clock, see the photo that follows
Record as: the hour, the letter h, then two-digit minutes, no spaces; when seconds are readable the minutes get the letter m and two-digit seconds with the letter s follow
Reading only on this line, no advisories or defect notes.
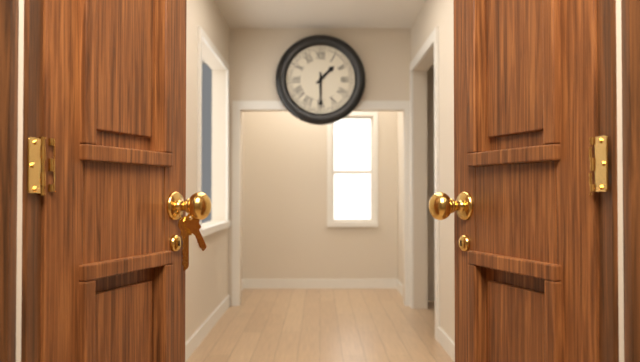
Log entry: 1h30
